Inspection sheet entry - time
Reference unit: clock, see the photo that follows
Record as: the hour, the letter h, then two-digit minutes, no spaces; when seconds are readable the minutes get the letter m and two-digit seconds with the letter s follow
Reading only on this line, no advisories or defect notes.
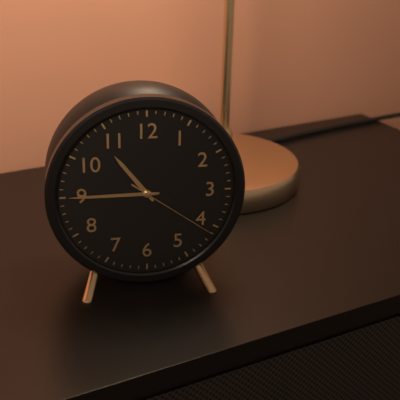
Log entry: 10h45m21s
